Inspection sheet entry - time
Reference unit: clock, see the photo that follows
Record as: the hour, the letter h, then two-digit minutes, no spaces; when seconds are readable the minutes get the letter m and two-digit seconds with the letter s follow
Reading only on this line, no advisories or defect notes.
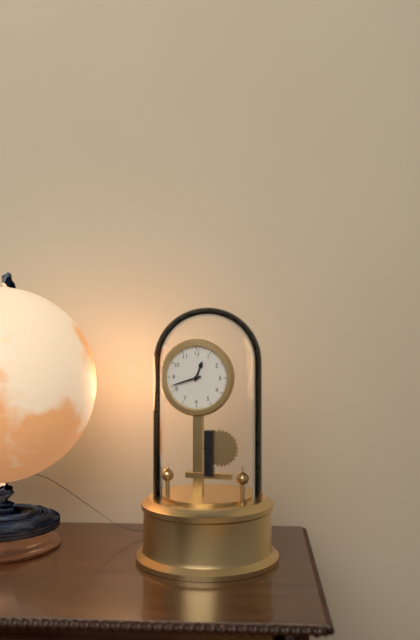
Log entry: 12h42
